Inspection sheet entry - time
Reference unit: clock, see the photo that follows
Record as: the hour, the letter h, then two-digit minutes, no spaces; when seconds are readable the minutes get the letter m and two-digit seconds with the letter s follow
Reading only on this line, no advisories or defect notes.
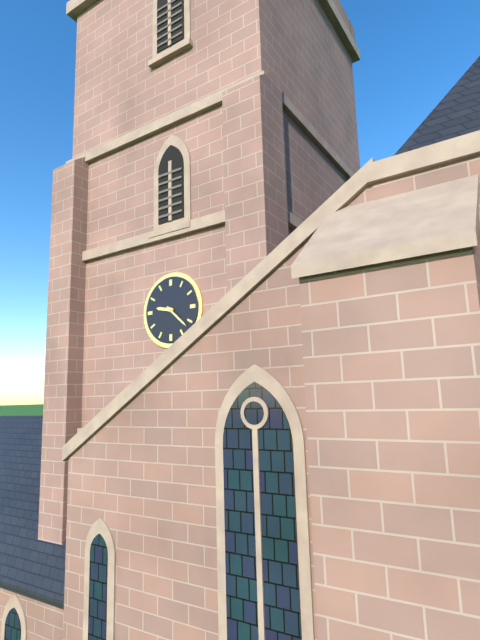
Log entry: 9h22
